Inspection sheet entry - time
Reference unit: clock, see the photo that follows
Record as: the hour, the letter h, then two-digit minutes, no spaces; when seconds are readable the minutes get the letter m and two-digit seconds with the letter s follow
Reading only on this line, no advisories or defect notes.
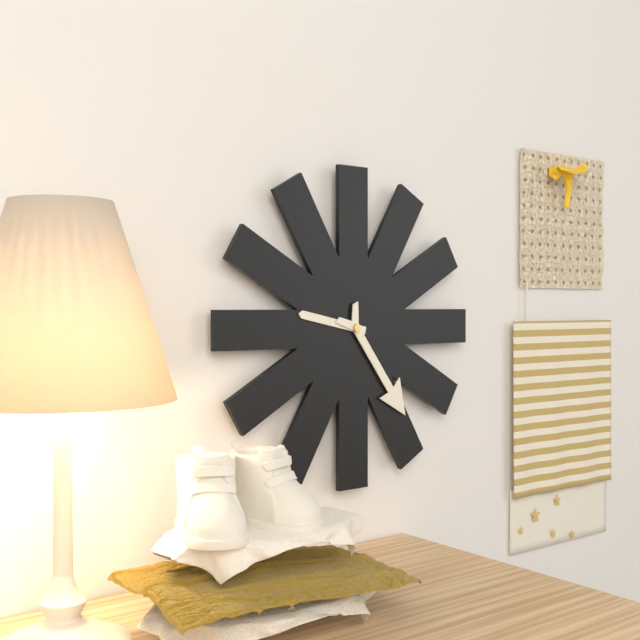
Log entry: 9h24
